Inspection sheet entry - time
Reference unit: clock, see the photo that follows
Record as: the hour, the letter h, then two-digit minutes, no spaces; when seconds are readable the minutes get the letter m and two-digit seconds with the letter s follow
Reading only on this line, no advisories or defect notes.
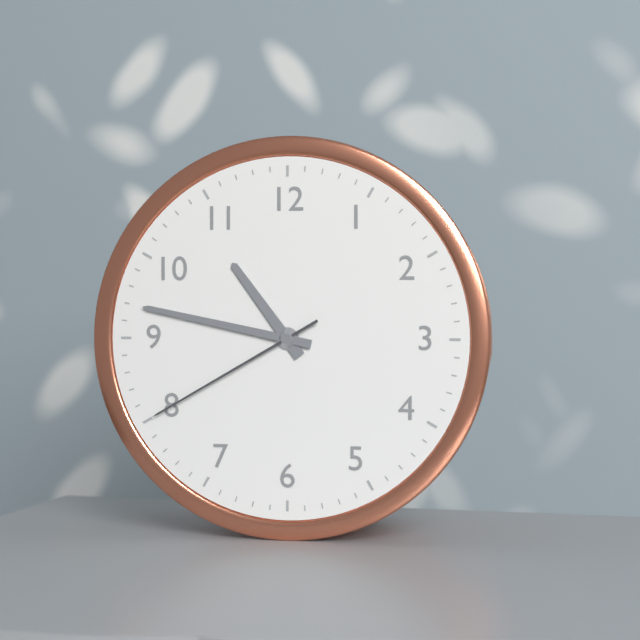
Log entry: 10h47m40s
